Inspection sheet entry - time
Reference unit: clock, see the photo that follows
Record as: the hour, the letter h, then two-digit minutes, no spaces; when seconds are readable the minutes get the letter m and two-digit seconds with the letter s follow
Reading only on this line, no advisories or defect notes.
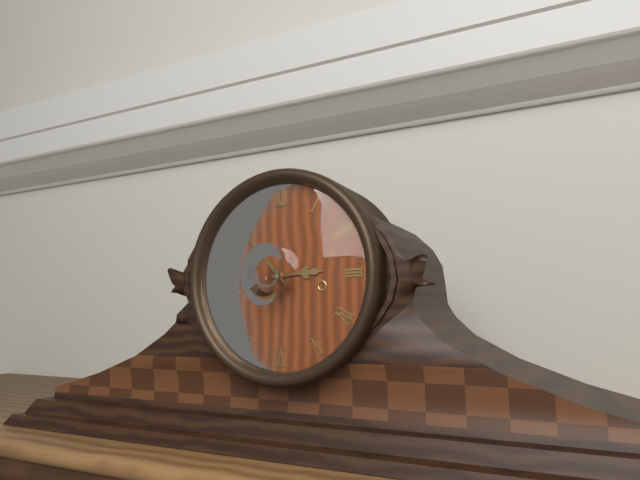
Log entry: 2h53
